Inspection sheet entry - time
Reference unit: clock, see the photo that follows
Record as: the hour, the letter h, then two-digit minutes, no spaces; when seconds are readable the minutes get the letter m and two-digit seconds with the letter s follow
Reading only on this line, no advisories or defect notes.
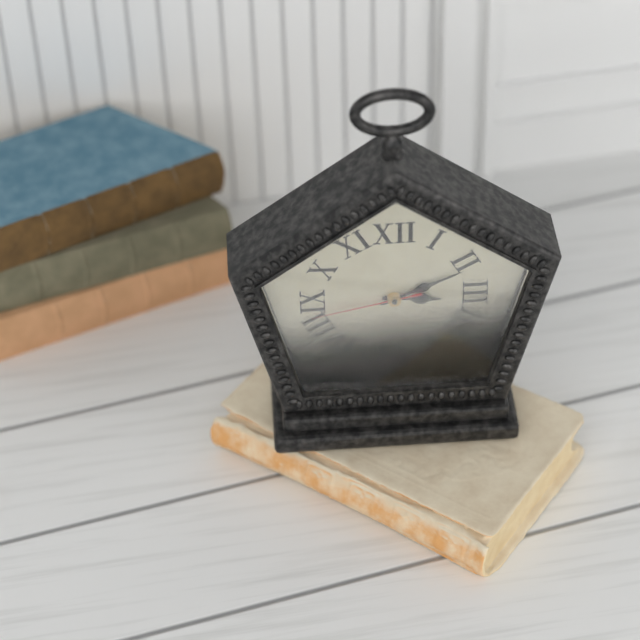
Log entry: 3h11m43s
